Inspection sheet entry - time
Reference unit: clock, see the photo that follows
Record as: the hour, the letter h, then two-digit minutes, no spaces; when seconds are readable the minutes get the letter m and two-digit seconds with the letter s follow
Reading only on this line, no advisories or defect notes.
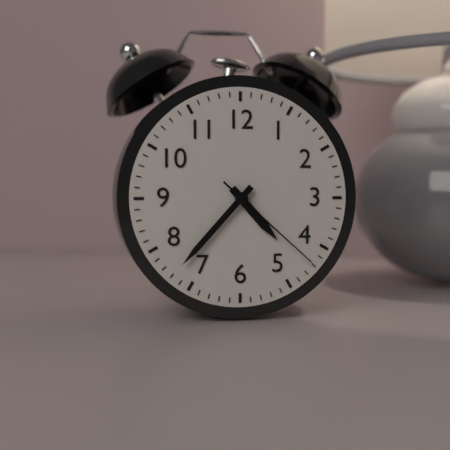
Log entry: 4h37m22s
